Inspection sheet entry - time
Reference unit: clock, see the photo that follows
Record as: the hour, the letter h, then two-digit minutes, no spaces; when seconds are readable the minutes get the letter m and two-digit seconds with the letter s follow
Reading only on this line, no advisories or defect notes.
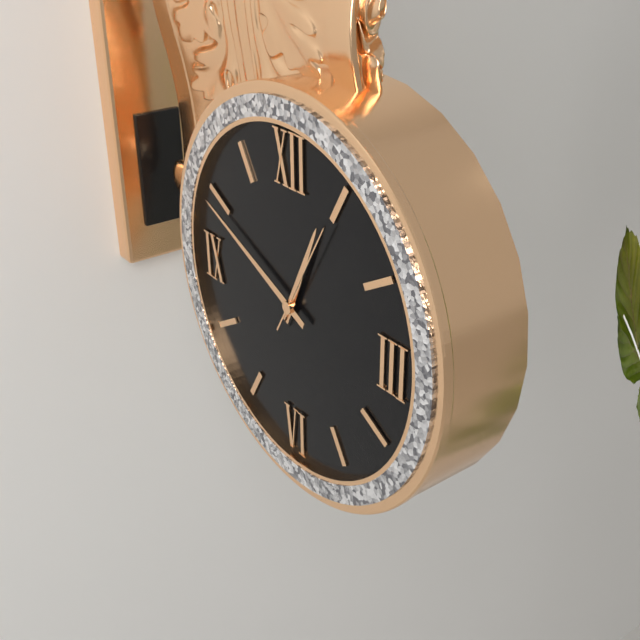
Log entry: 12h49m05s
